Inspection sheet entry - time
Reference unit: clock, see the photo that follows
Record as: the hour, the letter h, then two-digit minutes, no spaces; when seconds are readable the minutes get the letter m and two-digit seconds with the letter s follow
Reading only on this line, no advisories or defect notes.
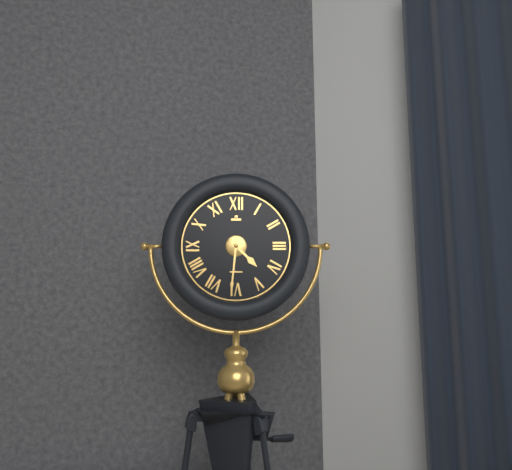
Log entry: 4h31
